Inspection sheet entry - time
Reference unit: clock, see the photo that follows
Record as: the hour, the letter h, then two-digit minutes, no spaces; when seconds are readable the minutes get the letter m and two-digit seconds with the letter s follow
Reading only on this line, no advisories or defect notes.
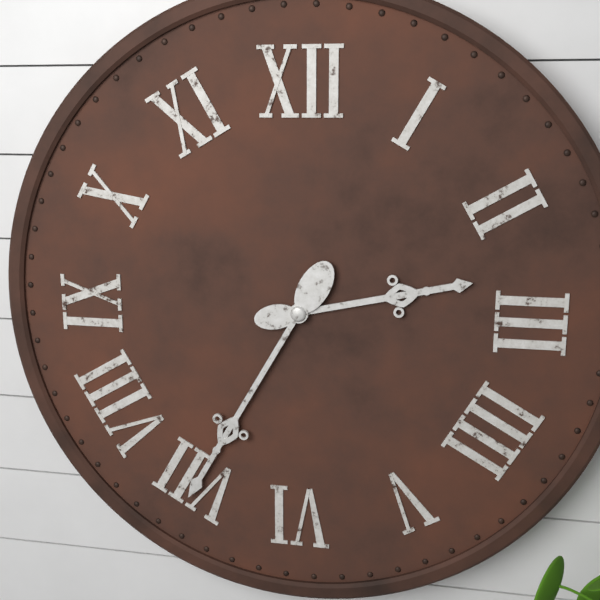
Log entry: 2h35
